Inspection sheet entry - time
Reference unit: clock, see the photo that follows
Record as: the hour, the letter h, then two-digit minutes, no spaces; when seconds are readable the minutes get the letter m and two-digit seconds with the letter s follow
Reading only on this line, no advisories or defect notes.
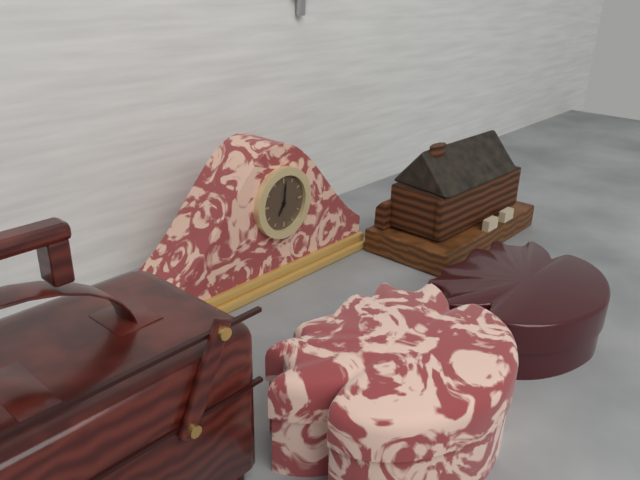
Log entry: 7h01
